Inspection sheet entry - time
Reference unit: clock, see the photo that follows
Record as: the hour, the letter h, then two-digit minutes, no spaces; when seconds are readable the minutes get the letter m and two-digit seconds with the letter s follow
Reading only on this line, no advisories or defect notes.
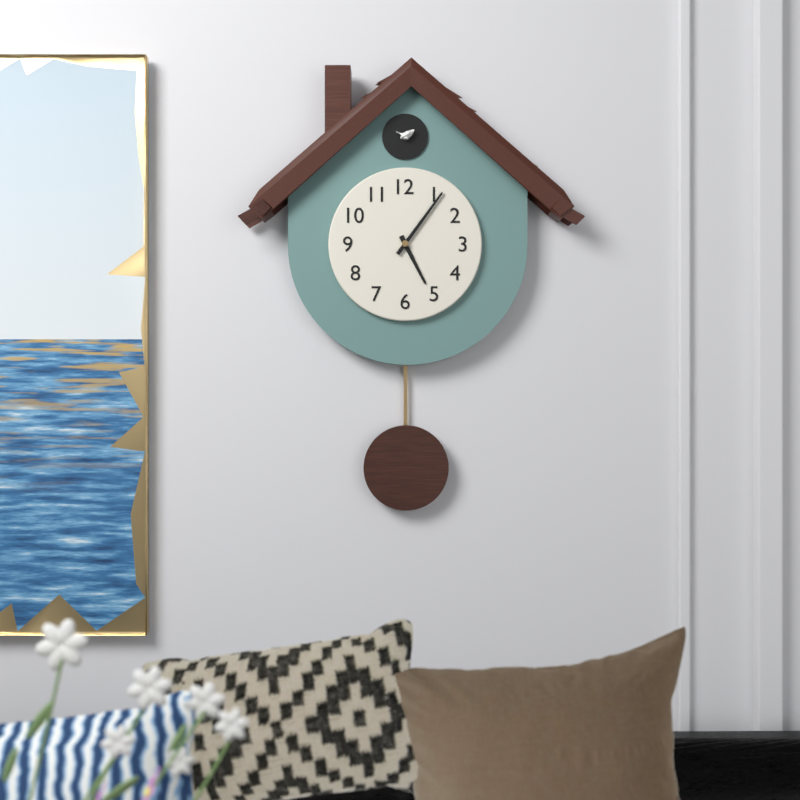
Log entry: 5h06
